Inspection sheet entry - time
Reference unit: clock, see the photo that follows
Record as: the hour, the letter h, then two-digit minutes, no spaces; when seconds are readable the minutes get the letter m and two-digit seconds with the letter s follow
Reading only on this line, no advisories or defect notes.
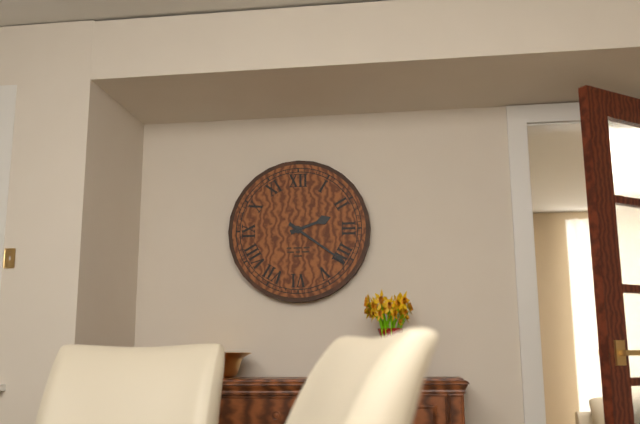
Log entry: 2h21
